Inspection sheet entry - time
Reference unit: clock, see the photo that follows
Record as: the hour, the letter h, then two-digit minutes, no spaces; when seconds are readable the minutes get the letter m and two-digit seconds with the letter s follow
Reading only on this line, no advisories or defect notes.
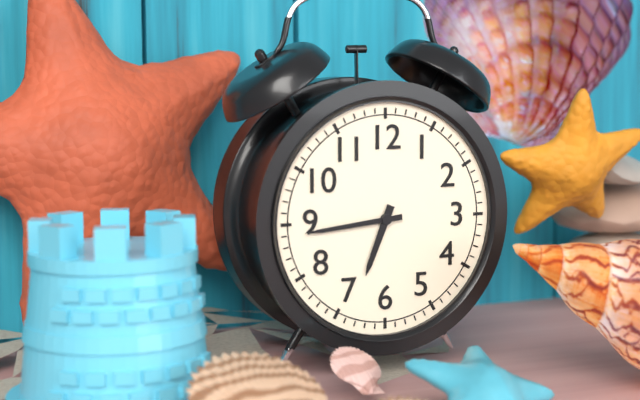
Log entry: 6h44
